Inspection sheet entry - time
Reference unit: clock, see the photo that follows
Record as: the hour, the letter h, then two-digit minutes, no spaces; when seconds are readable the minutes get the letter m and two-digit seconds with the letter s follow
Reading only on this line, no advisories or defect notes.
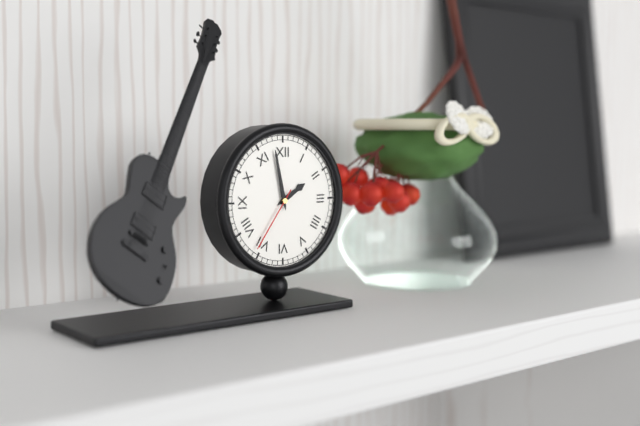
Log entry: 1h58m36s
